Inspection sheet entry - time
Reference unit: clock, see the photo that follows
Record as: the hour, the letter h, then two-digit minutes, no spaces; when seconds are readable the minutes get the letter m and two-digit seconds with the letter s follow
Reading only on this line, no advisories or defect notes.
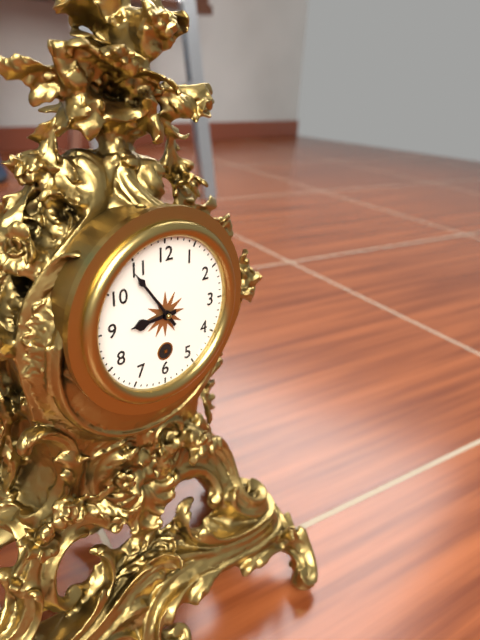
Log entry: 8h54
